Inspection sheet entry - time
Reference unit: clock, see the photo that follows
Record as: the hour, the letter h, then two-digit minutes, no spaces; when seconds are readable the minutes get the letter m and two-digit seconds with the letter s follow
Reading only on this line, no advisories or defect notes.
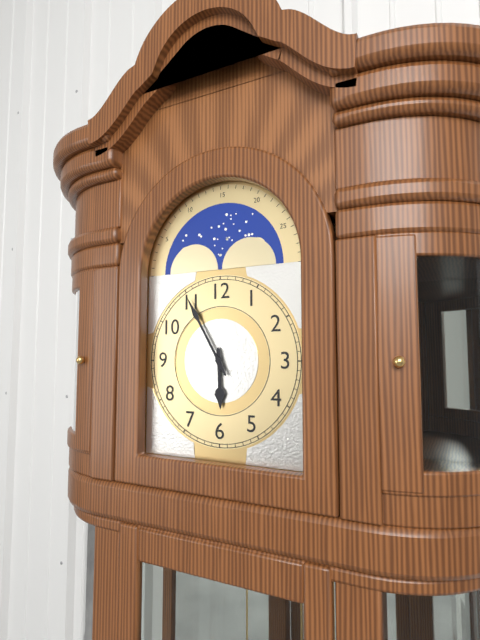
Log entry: 5h55
